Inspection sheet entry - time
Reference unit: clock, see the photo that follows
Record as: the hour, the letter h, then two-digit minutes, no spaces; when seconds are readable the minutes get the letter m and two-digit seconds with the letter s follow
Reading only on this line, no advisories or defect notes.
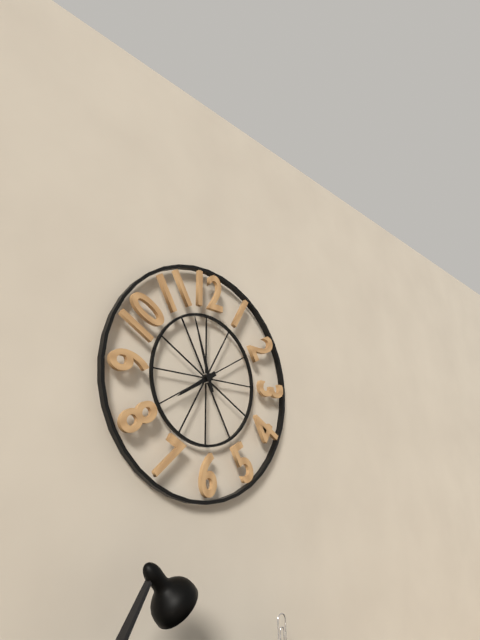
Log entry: 7h57
